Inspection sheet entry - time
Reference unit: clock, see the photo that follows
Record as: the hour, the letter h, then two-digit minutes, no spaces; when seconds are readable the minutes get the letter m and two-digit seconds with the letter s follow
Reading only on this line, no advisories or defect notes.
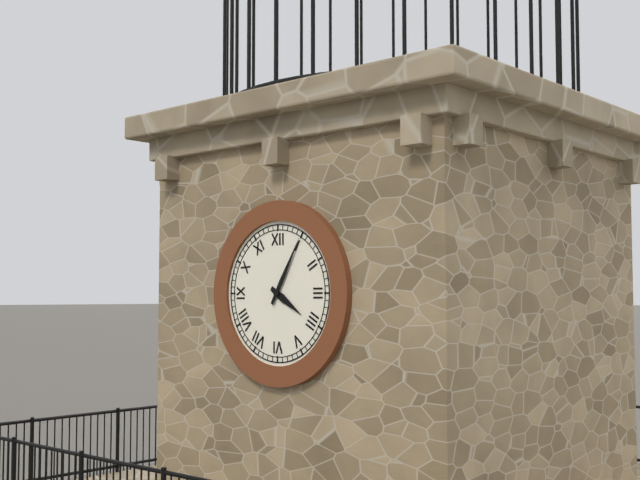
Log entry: 4h05
